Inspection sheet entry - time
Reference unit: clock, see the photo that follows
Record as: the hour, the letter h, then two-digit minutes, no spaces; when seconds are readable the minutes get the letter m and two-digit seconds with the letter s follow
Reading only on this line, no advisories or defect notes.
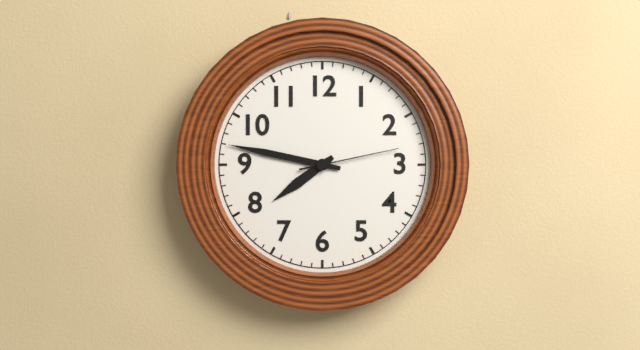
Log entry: 7h47m13s
